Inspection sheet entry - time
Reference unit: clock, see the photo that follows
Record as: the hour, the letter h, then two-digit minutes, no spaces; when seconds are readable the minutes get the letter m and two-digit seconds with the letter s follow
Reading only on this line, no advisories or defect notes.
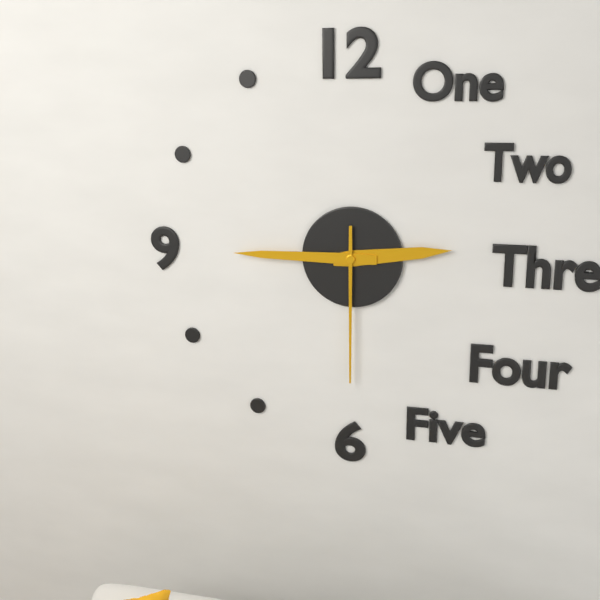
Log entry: 2h45m30s
